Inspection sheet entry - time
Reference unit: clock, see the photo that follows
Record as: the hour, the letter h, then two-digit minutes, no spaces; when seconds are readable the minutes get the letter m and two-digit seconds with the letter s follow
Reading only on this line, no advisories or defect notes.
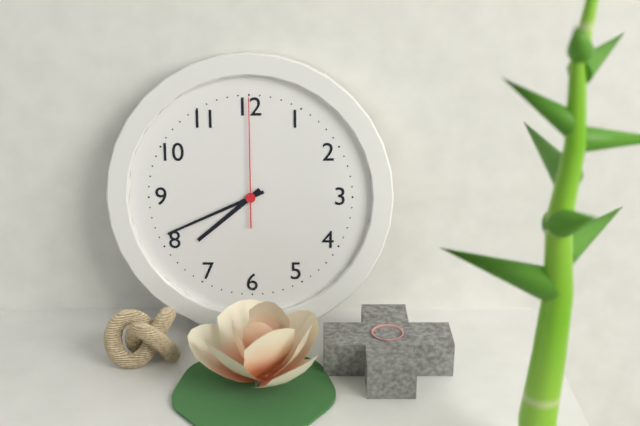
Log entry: 7h41m00s
